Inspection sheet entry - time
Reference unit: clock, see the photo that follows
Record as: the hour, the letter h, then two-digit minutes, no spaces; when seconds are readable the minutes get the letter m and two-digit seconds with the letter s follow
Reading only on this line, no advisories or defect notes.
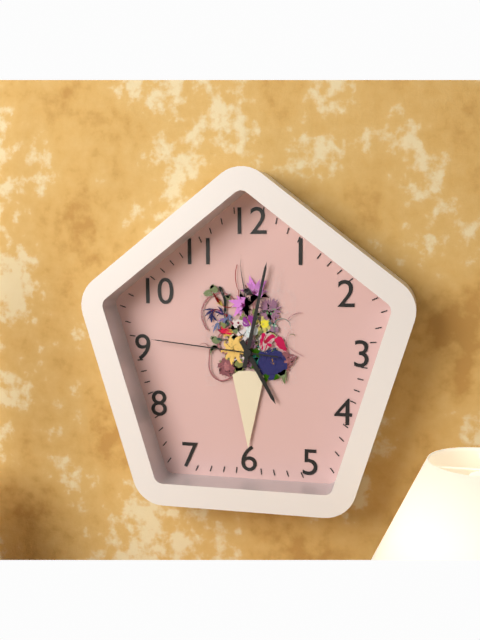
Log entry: 5h02m46s
